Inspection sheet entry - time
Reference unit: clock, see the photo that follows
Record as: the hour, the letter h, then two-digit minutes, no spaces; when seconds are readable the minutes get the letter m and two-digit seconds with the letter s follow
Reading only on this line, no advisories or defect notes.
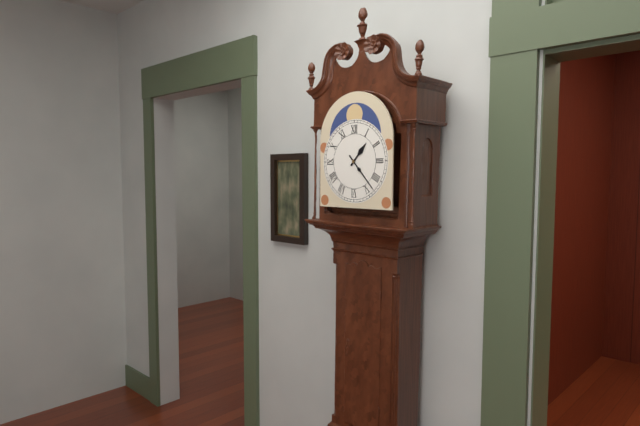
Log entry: 1h23
